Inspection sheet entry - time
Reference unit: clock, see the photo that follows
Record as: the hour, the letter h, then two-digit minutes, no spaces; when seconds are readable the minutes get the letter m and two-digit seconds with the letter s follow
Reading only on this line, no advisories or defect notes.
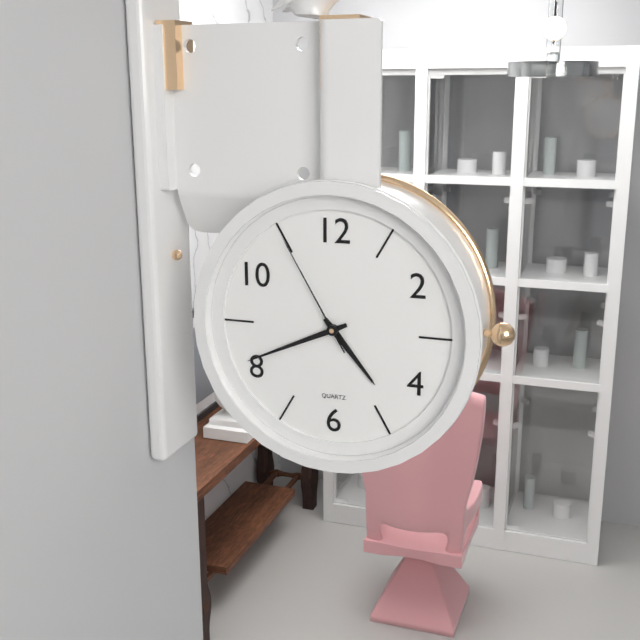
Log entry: 4h41m55s
